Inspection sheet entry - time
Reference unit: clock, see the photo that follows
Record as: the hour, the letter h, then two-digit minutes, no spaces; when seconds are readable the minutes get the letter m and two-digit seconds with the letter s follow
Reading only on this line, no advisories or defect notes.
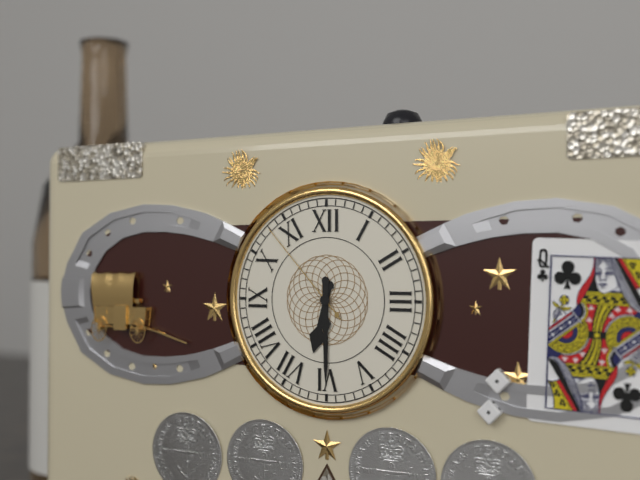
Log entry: 6h30m53s
